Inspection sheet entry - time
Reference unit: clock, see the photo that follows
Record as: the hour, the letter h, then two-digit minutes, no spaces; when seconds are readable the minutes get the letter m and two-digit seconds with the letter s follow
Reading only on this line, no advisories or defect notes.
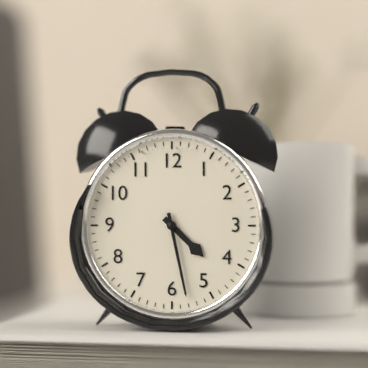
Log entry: 4h28
